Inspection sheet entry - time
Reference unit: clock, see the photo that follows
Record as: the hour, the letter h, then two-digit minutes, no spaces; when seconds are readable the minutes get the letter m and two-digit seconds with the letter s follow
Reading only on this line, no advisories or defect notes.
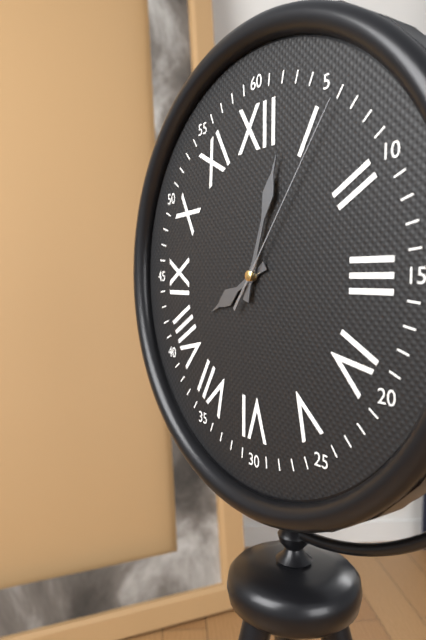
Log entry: 8h03m06s
